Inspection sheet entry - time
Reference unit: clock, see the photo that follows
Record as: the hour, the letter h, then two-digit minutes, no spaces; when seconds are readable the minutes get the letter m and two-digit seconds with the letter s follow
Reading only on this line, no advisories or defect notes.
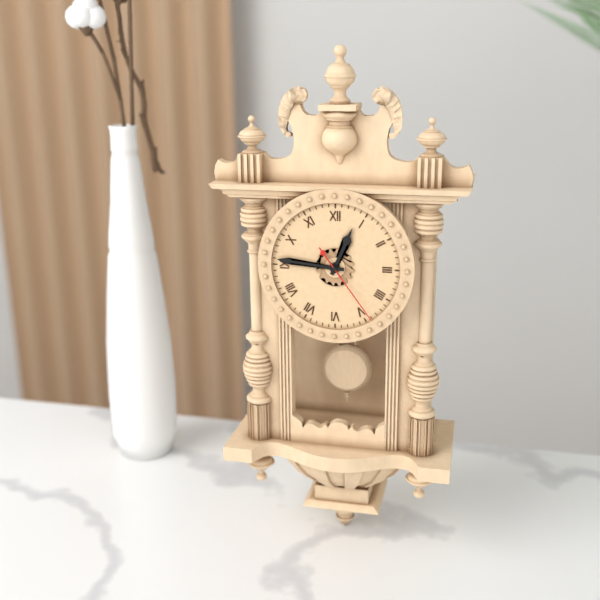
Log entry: 12h46m24s
